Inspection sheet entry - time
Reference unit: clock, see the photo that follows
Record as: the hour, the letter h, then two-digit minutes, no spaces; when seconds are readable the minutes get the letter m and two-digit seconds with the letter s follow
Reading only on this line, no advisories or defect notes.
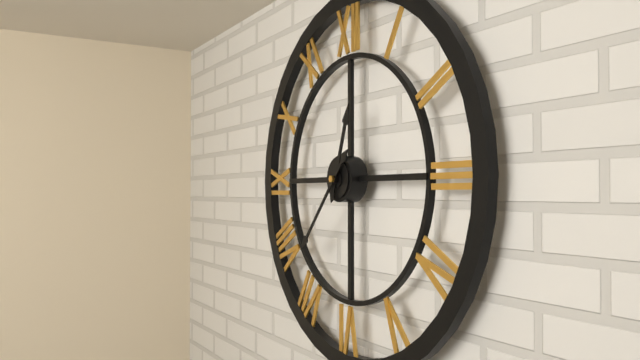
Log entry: 12h37
